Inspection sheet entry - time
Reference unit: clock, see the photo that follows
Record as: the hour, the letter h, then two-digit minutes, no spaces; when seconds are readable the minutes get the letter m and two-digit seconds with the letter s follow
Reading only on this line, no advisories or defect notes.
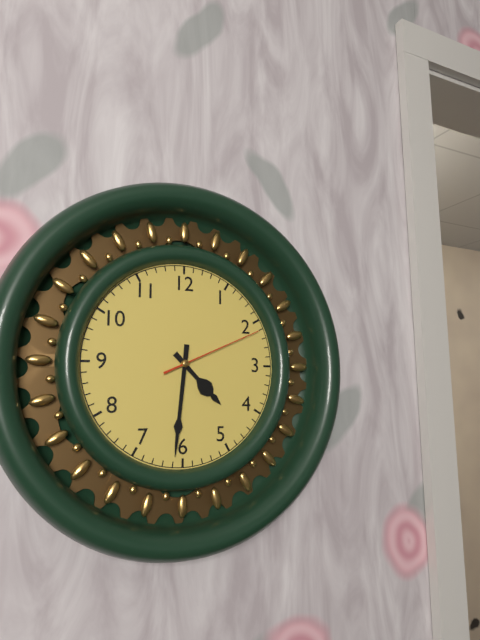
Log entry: 4h31m11s
